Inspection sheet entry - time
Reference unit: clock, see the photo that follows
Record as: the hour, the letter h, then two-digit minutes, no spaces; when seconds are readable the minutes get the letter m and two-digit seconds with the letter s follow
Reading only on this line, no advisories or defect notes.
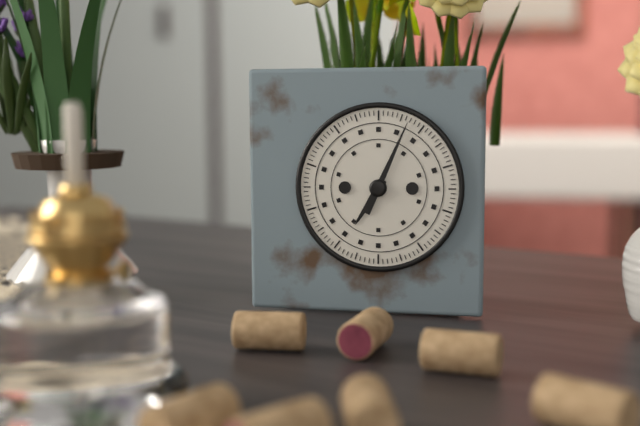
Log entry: 7h04
